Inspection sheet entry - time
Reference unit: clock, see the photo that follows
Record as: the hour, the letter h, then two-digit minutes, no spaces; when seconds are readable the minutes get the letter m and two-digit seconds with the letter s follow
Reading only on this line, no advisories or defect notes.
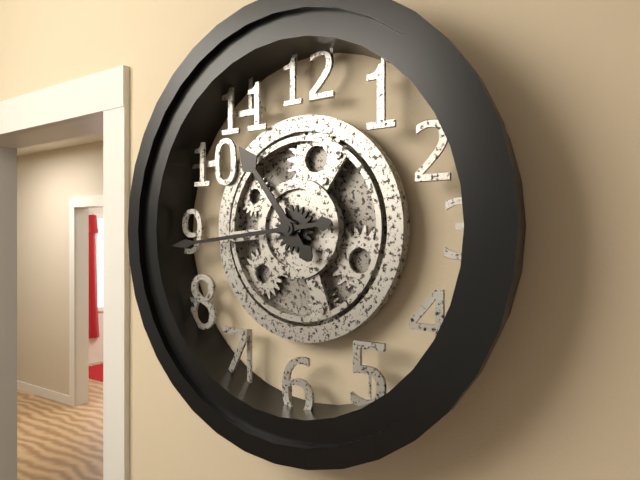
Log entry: 10h44
